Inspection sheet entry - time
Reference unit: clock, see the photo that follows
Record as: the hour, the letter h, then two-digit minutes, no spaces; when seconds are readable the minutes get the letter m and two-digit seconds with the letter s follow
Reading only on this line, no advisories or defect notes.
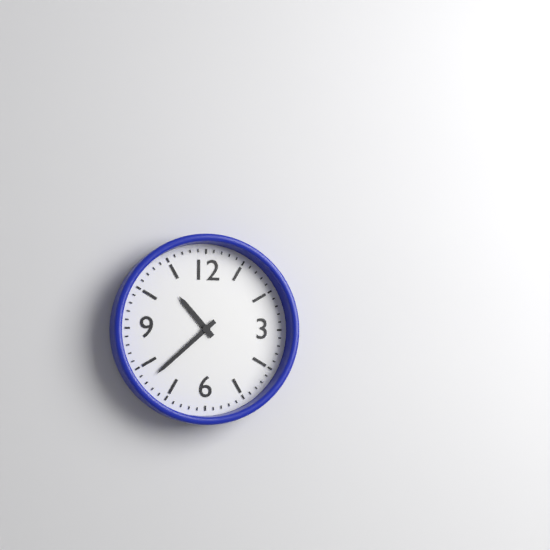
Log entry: 10h38
